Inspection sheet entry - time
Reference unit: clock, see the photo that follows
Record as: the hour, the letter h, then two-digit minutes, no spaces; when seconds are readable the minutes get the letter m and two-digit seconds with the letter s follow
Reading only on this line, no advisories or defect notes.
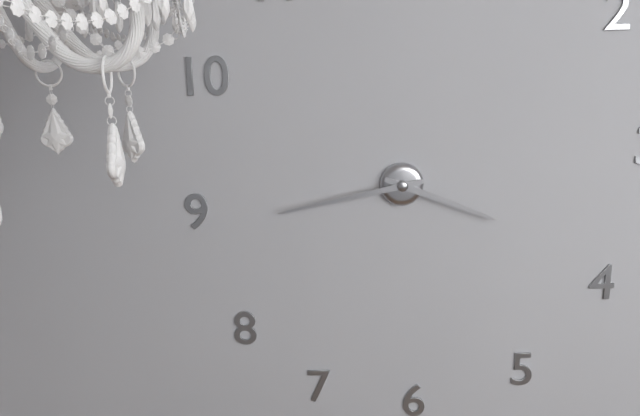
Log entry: 3h43
